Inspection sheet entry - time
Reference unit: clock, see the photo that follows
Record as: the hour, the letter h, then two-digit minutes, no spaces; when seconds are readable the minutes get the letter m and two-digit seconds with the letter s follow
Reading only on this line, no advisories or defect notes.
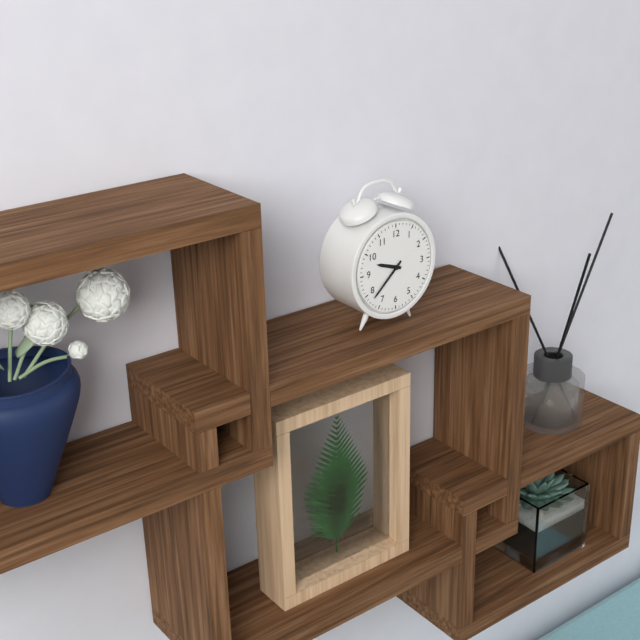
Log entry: 9h38
